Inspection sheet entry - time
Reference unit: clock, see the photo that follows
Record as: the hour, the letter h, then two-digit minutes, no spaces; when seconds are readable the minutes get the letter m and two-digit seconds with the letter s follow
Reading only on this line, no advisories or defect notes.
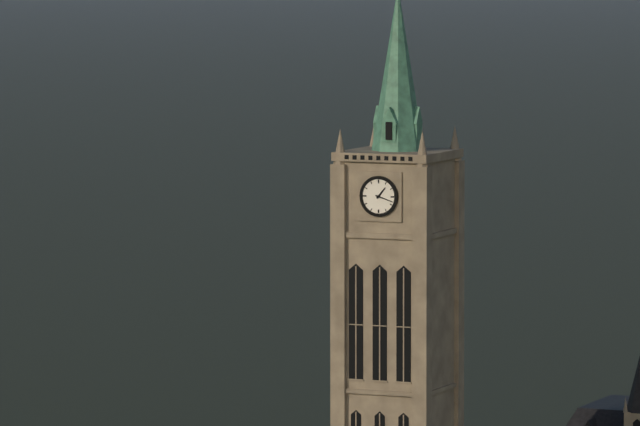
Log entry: 1h18
